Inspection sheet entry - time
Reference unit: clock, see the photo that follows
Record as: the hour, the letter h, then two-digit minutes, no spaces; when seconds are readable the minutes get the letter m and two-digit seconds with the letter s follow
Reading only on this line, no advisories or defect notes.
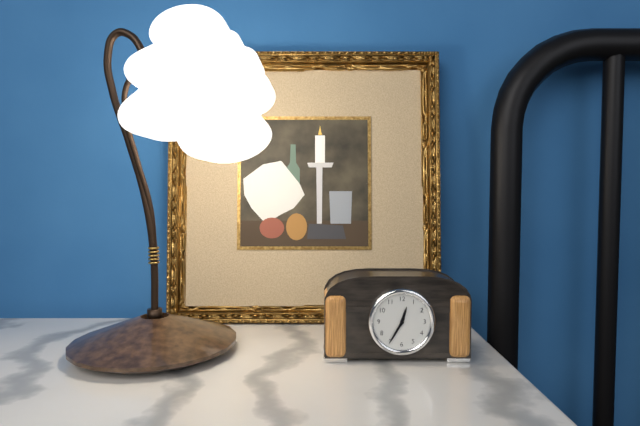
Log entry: 12h35
